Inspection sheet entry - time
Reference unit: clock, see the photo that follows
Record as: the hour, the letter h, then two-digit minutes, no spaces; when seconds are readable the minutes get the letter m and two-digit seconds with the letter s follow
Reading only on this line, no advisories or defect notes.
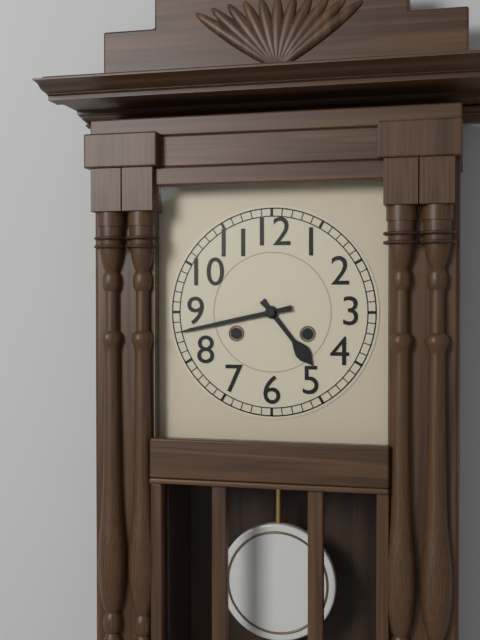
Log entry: 4h43
